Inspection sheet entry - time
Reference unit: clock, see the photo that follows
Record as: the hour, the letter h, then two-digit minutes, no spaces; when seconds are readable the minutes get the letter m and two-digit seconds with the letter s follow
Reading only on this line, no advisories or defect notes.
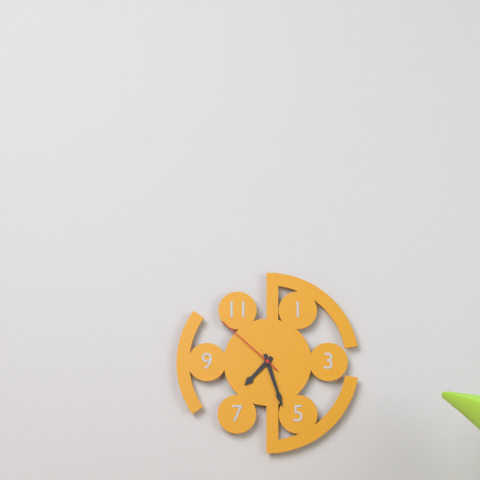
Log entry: 7h27m52s
